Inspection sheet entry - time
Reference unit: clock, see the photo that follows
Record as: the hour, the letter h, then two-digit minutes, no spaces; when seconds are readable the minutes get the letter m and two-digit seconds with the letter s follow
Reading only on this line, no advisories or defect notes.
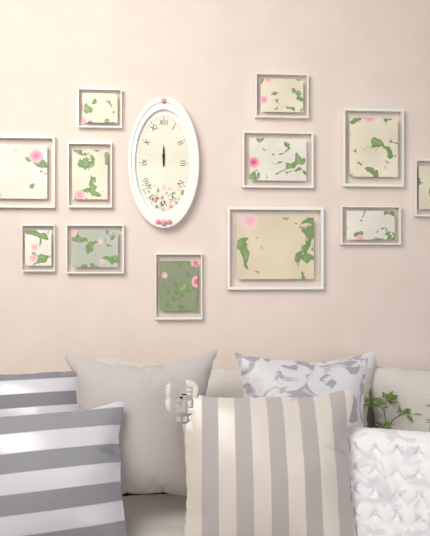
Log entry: 12h00
